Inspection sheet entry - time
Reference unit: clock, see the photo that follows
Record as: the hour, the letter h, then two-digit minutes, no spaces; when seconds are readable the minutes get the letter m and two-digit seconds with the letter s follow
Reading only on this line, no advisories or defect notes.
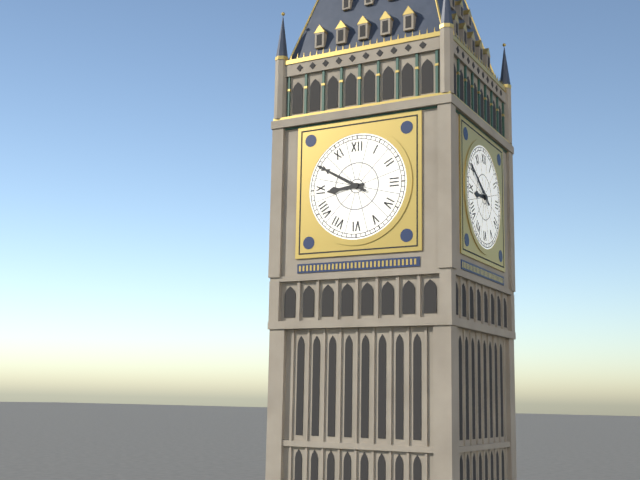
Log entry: 8h50
